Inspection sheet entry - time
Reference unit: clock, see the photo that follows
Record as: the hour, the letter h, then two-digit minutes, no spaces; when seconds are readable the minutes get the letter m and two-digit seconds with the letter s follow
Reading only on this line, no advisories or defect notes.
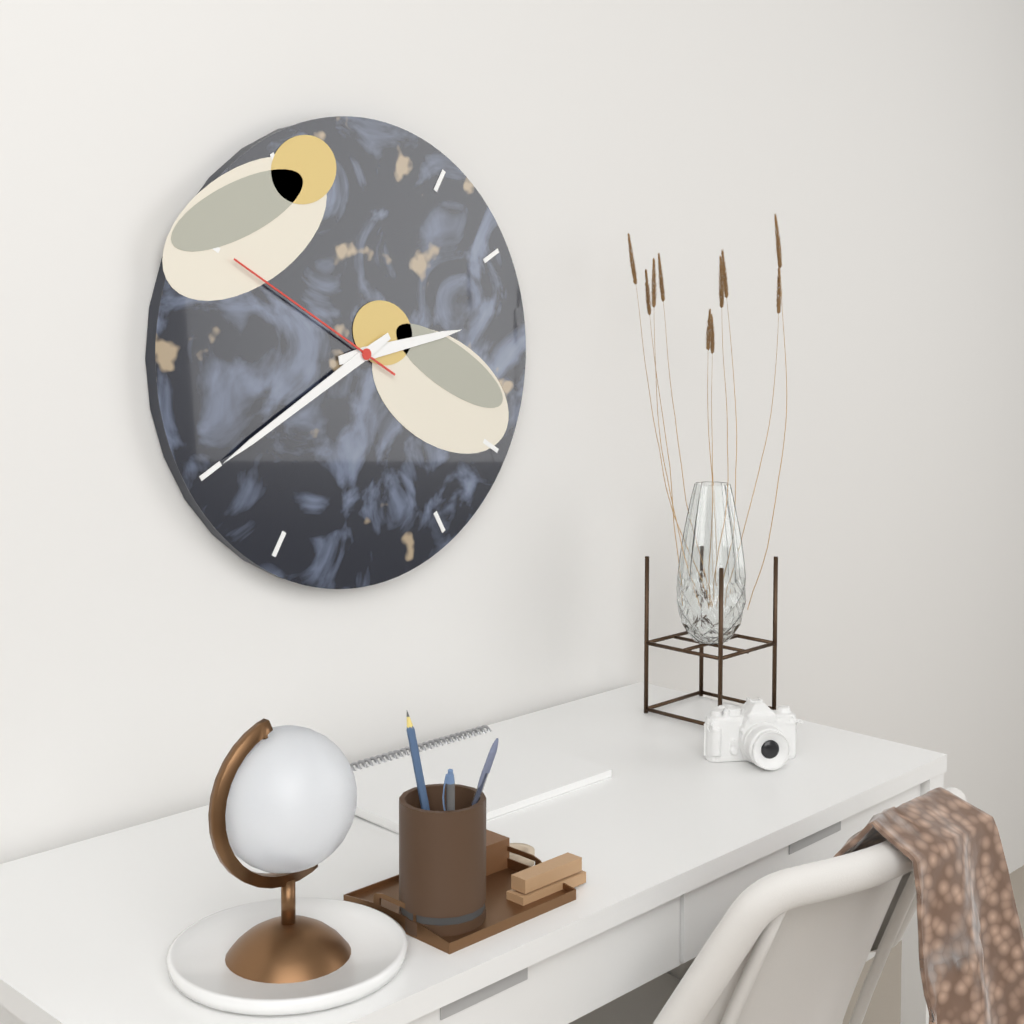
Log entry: 2h40m50s
